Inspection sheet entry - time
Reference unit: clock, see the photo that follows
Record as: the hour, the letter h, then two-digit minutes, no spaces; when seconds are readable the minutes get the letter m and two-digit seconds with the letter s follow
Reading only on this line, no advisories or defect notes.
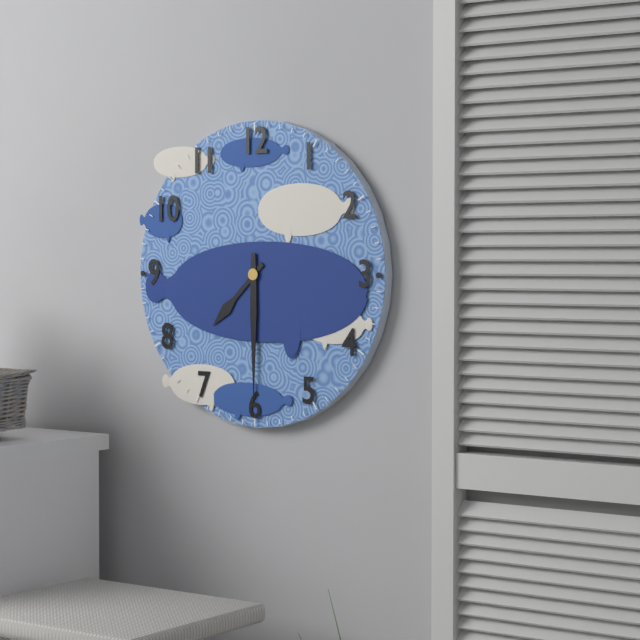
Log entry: 7h30
